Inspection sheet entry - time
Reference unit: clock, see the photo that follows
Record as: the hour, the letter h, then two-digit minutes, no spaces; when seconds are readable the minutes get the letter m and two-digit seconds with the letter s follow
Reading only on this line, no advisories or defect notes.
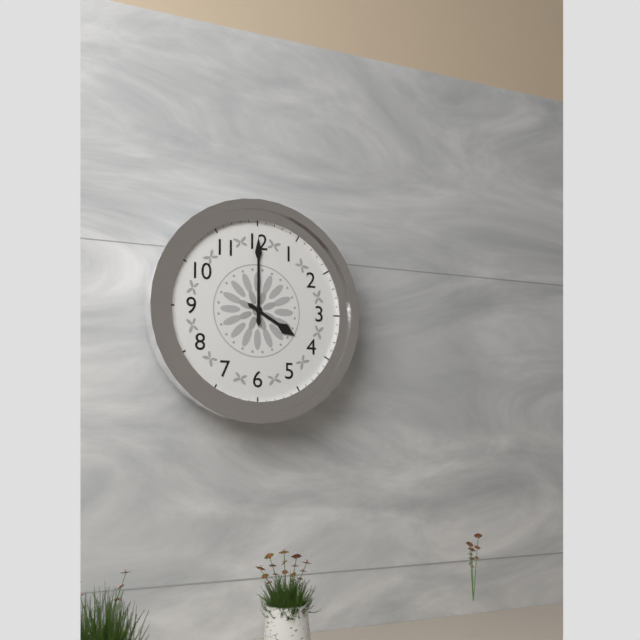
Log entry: 4h00
